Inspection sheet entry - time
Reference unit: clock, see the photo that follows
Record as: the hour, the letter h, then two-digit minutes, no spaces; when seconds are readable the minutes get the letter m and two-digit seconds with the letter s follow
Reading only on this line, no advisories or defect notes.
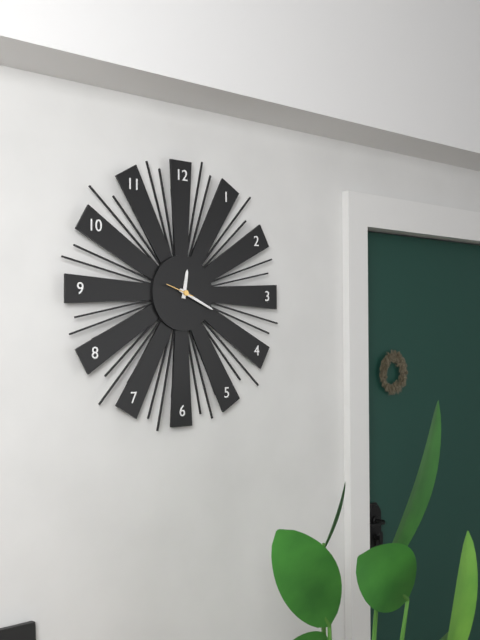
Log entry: 12h19
